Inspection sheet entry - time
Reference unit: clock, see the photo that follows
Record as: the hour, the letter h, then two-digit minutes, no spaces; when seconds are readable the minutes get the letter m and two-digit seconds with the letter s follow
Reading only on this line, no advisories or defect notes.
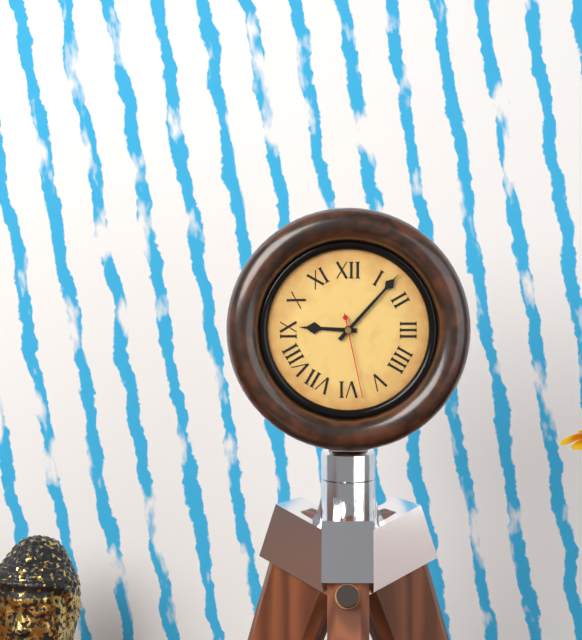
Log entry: 9h07m28s
